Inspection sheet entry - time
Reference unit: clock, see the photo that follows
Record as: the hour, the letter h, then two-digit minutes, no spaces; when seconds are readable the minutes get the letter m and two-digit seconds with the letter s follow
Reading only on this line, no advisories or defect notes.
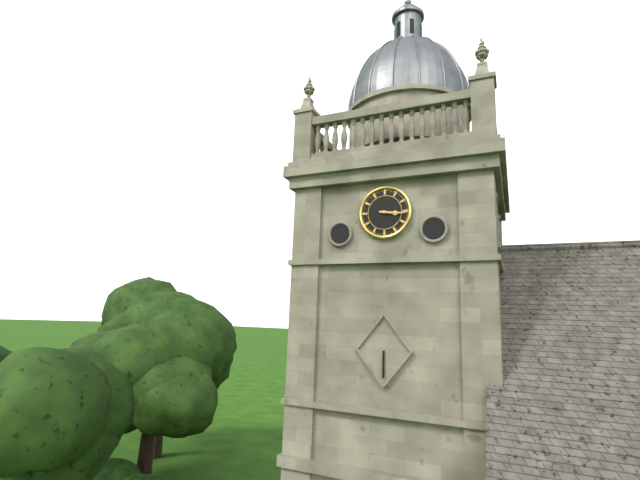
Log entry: 3h16
